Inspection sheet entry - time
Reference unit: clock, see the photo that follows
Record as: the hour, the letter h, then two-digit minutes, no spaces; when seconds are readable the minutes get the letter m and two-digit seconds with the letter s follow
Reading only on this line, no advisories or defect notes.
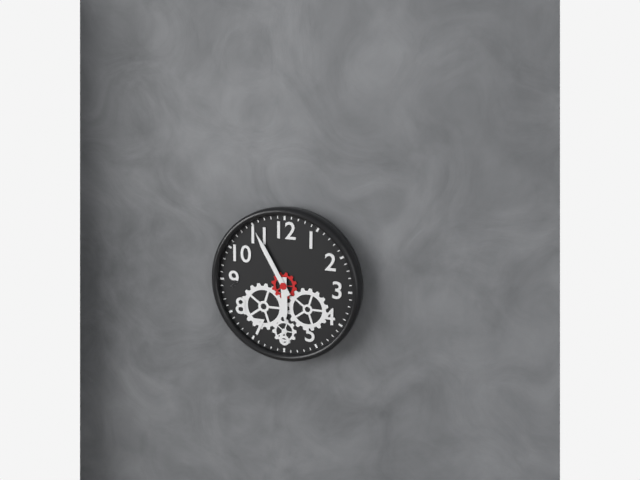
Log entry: 5h55
